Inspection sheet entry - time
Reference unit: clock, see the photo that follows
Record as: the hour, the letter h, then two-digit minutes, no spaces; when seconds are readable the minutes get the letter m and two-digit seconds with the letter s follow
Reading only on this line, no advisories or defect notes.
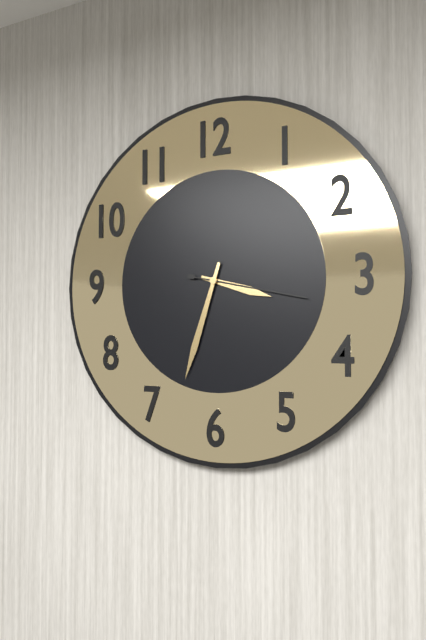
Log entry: 3h33m17s
